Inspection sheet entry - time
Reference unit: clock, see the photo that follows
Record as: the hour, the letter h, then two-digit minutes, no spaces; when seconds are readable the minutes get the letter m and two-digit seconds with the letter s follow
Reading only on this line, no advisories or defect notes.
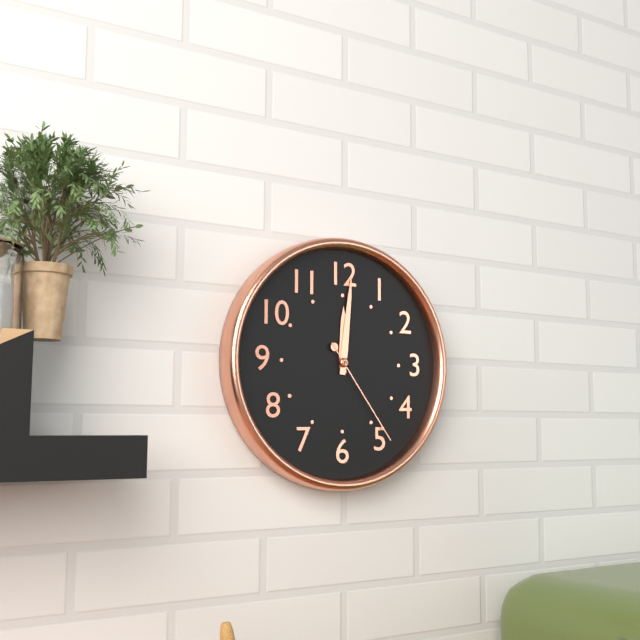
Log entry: 12h01m24s
